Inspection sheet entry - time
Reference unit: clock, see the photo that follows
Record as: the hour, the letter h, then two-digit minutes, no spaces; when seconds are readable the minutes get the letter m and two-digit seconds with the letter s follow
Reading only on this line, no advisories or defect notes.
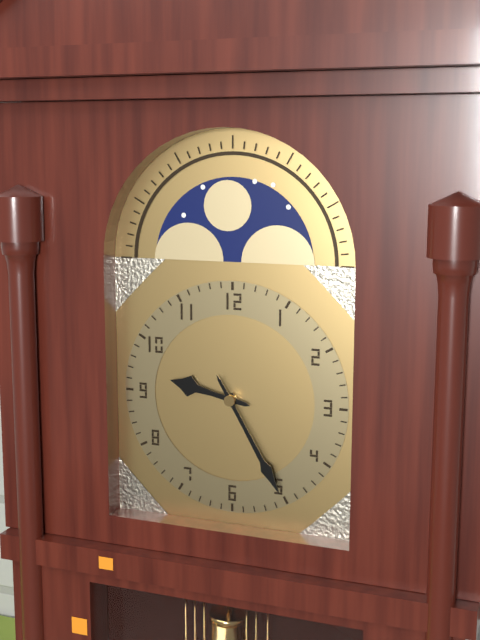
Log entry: 9h25
